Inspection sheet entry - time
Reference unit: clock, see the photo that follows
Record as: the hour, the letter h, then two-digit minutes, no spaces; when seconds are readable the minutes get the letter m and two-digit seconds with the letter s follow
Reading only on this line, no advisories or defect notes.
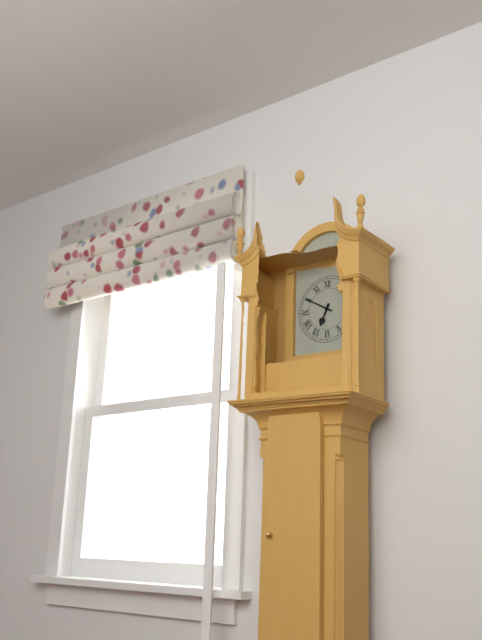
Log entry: 6h50
